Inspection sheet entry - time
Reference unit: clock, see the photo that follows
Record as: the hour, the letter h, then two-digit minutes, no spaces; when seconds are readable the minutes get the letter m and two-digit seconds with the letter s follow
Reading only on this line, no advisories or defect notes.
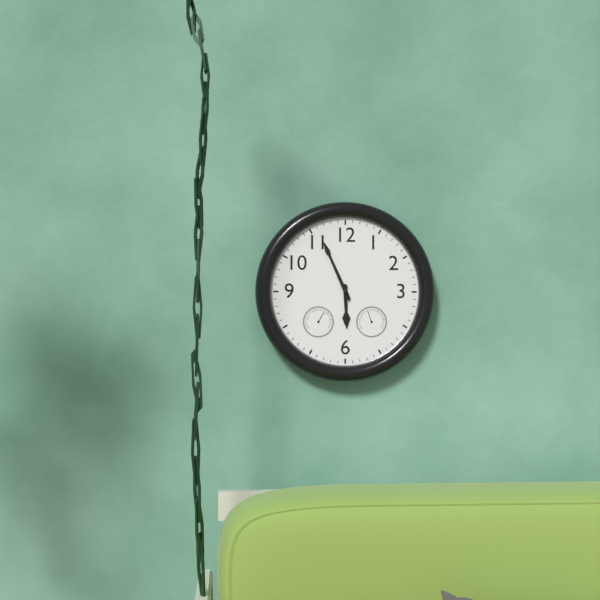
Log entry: 5h56
